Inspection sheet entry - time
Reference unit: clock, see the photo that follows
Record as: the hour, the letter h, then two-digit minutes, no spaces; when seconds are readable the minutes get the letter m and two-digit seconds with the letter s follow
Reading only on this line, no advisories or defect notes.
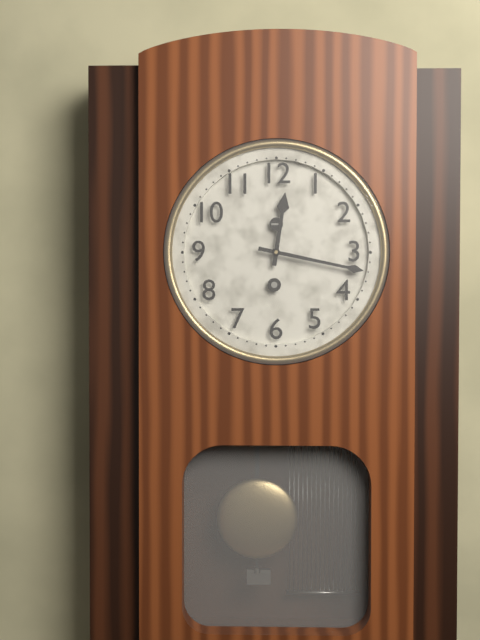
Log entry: 12h17
